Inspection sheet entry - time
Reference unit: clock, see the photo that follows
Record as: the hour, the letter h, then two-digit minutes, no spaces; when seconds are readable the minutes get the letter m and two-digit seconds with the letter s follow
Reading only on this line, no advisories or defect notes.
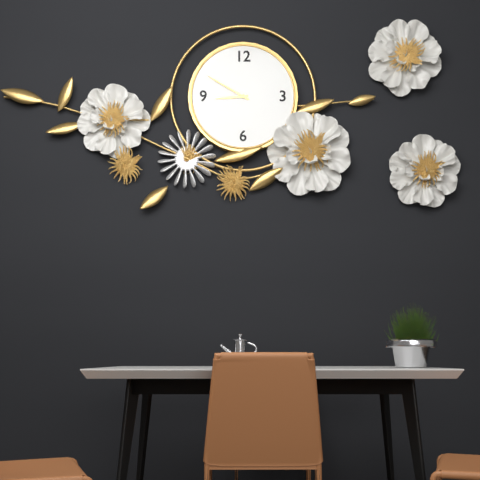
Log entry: 8h50
